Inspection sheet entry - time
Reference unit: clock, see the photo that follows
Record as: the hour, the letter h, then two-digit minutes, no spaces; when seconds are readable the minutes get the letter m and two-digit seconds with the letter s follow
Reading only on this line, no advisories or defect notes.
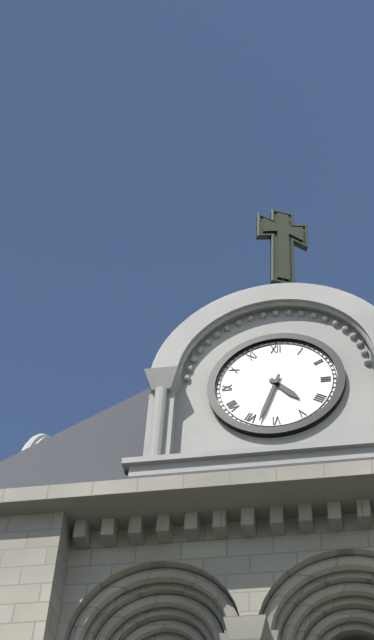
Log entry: 4h33
